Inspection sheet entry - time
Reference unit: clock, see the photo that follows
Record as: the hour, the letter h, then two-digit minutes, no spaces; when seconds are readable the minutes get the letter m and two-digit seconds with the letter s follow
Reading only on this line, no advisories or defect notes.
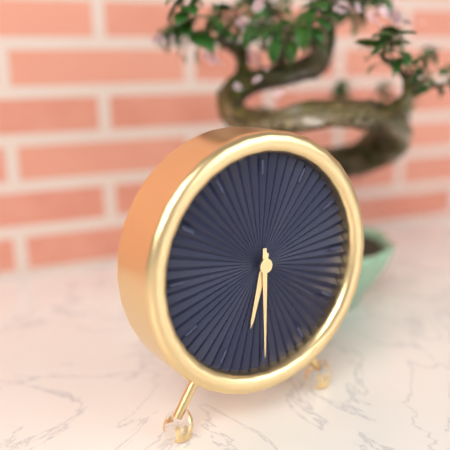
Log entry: 6h30
